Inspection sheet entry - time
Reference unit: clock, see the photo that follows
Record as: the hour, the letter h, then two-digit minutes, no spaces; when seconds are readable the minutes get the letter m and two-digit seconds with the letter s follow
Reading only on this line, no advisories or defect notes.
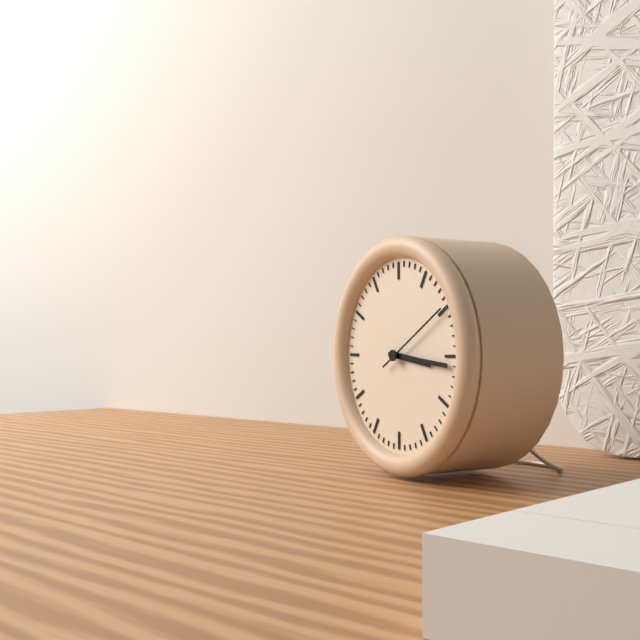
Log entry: 3h16m10s
